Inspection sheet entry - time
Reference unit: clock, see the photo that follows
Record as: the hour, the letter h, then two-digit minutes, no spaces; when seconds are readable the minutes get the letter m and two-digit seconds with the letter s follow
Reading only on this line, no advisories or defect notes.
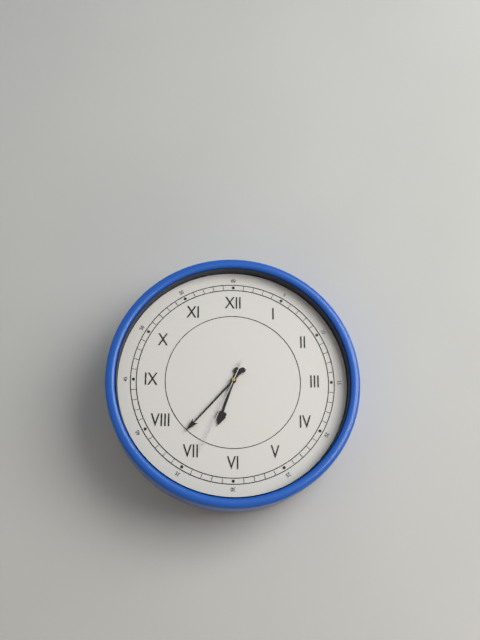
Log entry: 6h37m34s
